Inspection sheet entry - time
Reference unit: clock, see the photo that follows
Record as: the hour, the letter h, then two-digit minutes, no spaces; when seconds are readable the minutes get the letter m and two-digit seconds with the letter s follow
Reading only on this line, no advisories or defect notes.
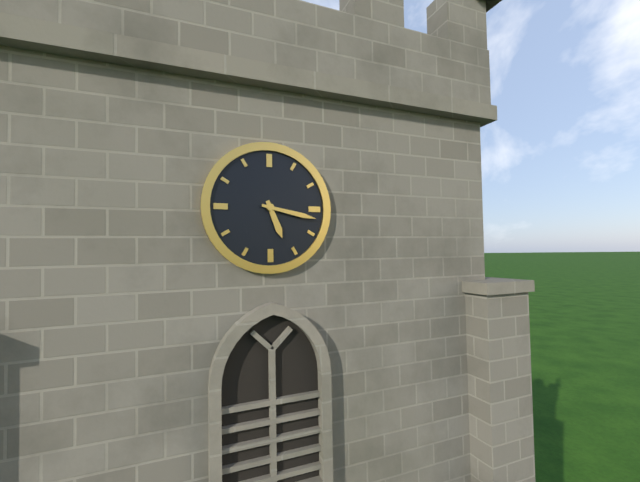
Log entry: 5h17
